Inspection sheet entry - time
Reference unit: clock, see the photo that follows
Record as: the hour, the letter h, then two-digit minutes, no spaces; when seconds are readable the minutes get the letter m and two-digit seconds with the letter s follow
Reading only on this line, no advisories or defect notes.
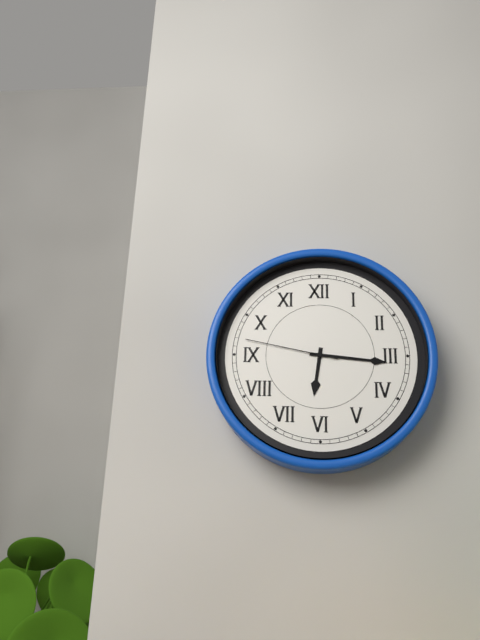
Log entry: 6h16m47s
